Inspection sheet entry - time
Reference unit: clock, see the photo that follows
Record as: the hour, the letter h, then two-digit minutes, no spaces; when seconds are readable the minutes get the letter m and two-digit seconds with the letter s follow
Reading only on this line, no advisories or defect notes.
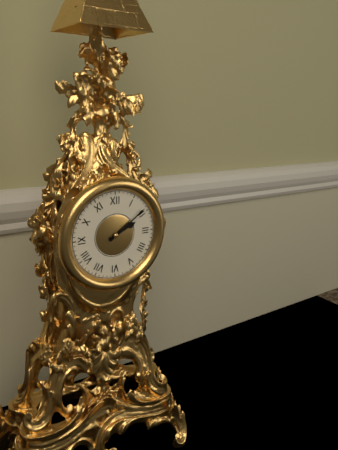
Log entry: 2h09
